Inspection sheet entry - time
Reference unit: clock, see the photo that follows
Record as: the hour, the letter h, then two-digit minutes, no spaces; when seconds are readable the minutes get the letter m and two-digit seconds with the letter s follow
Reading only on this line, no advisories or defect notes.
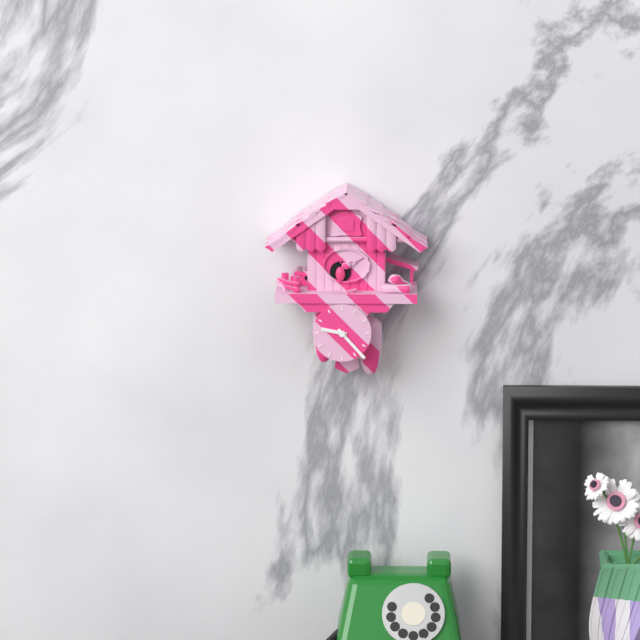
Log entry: 9h23
